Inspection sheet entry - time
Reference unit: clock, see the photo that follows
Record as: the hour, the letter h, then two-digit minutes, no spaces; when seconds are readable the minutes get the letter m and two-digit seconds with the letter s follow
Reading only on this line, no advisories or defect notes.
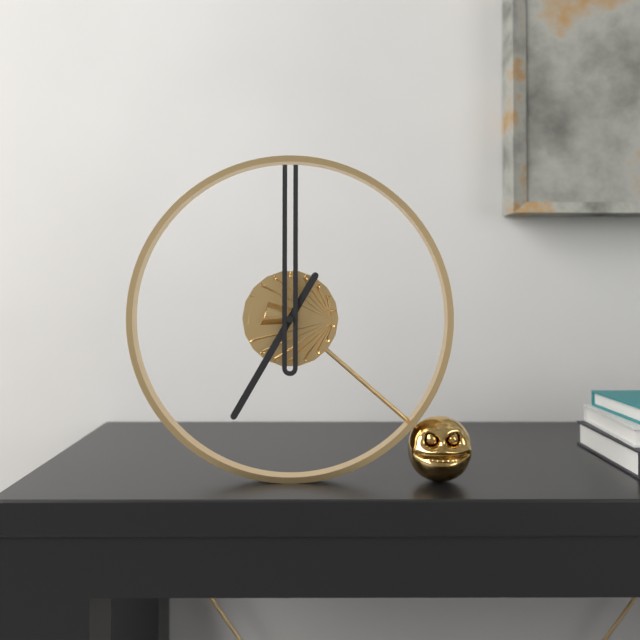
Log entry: 7h00
